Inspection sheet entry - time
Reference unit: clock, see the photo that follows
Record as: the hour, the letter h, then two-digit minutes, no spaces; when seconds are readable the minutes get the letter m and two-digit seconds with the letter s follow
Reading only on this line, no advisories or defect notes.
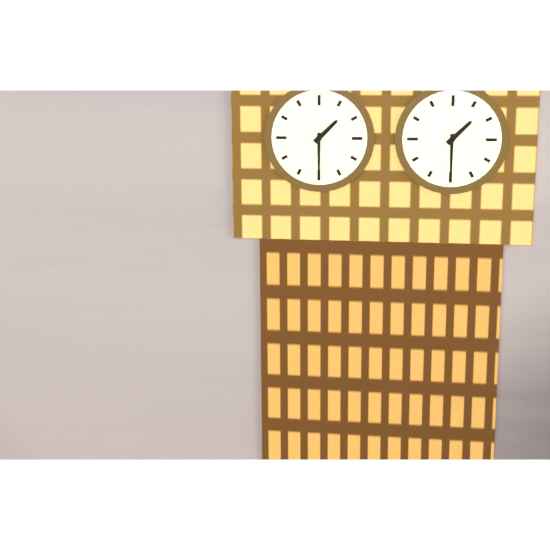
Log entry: 1h30
